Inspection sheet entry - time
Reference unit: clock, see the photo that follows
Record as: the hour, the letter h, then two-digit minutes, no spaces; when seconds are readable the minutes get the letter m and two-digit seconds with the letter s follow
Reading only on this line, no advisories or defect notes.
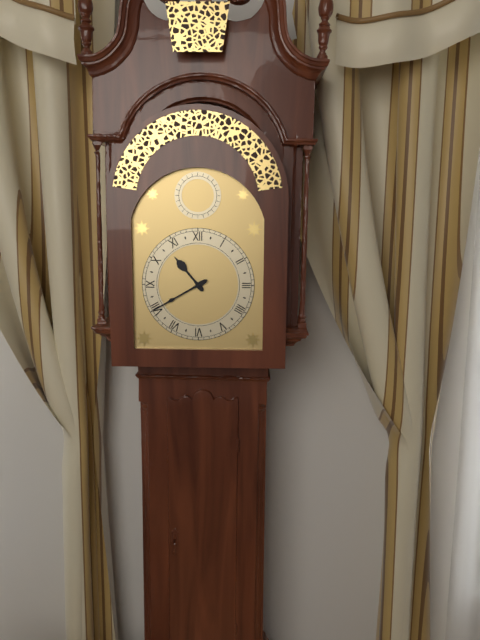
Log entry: 10h40
